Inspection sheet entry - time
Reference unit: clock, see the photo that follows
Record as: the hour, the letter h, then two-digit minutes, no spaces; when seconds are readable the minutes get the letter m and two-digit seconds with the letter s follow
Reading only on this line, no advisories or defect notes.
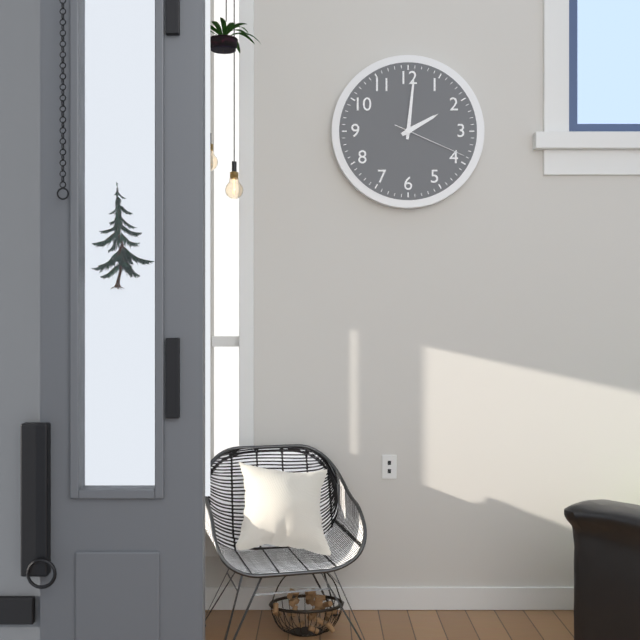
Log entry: 2h01m19s
